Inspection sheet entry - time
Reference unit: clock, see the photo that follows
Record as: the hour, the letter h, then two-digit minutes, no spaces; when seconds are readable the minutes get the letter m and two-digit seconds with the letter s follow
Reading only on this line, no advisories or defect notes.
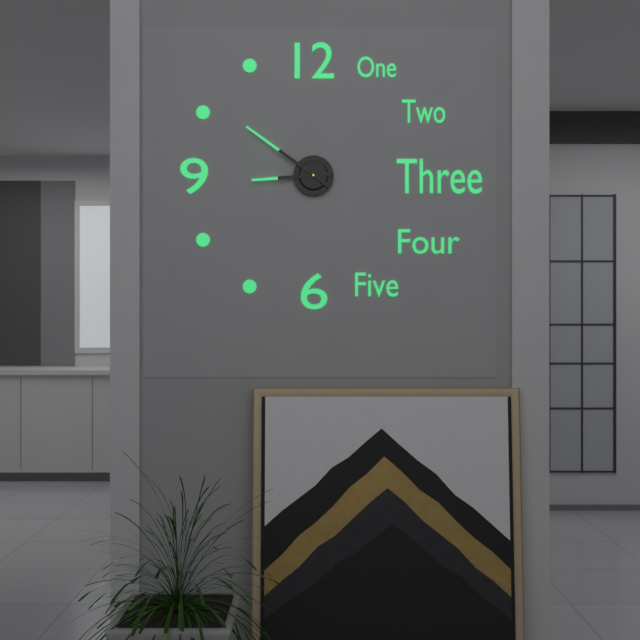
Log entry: 8h51
